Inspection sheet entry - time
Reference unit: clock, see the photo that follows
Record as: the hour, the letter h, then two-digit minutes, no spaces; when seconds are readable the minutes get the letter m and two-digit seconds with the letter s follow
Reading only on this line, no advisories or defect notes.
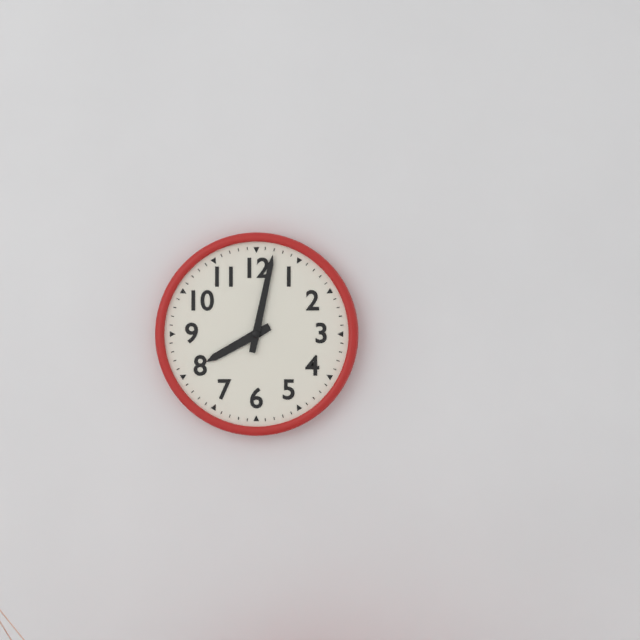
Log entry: 8h02
